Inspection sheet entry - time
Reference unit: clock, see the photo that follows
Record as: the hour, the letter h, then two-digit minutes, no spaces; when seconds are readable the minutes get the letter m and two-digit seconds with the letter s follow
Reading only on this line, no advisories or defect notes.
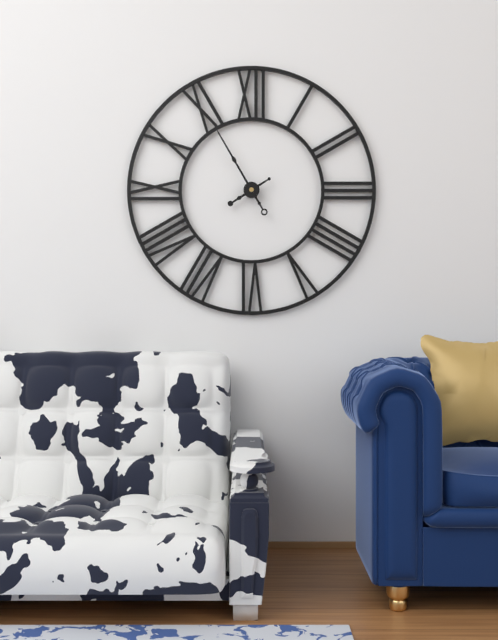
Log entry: 7h55
